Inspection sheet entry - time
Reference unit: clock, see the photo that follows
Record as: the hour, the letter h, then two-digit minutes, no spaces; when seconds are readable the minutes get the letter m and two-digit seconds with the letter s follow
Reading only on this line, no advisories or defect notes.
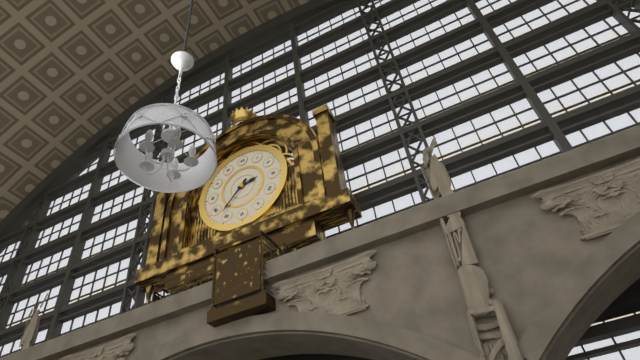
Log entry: 2h37
